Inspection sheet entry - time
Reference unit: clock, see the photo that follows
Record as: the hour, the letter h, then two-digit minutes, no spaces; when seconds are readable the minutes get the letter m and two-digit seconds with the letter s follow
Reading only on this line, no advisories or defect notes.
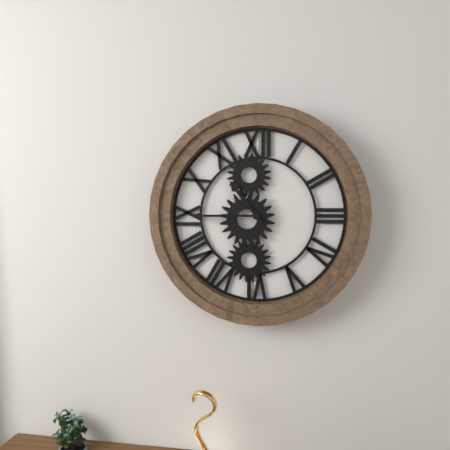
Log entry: 10h45
